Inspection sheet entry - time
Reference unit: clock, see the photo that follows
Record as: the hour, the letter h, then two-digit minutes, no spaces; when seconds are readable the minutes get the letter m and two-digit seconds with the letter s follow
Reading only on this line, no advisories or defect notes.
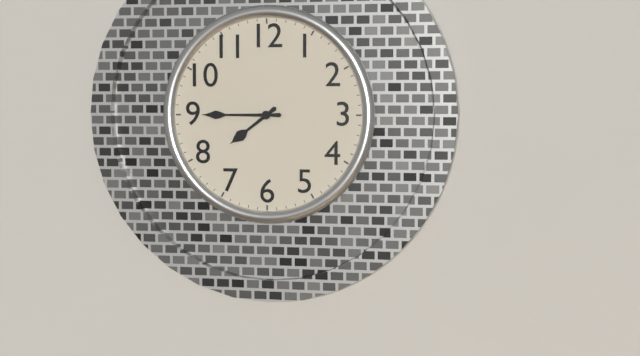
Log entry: 7h45
